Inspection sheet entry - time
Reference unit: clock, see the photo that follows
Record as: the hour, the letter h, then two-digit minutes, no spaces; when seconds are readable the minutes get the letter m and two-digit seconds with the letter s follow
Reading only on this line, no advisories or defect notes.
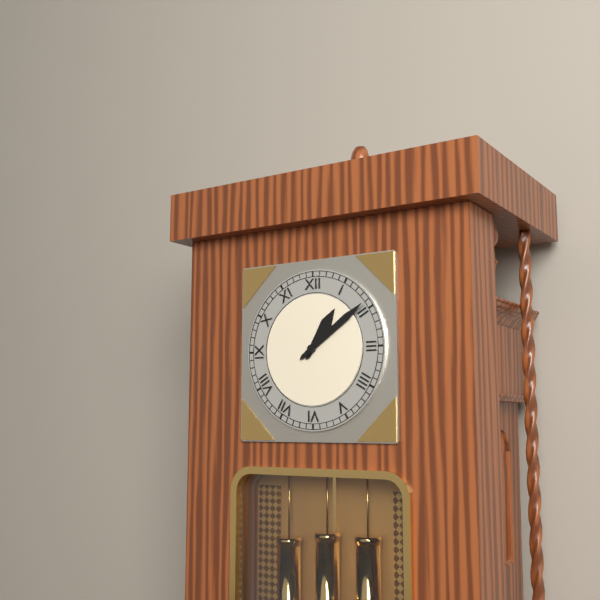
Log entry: 1h09
